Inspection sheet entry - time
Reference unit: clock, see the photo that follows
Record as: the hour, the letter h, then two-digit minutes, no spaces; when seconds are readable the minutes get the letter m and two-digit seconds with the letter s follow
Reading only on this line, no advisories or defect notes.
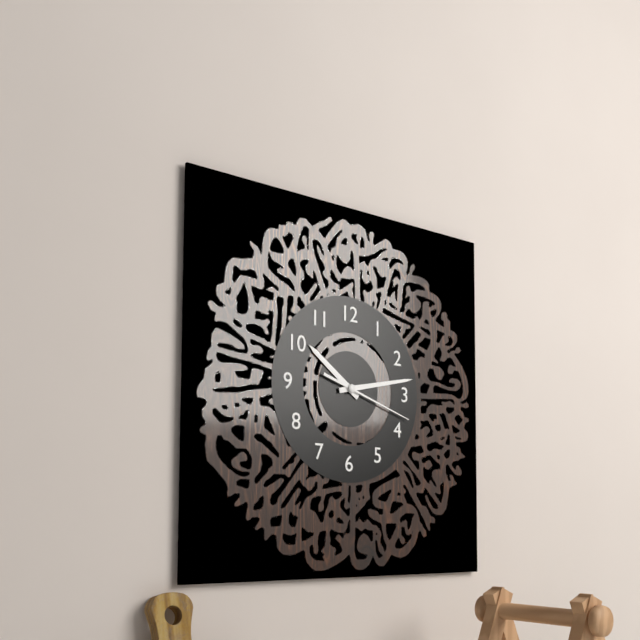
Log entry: 10h13m18s
